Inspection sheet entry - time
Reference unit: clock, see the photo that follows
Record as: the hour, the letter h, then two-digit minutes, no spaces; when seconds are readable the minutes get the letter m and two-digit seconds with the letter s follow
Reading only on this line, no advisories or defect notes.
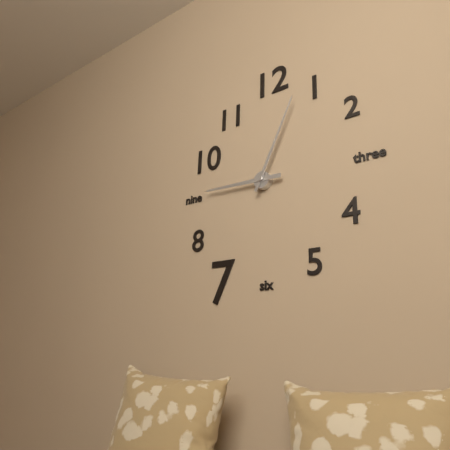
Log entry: 9h04
